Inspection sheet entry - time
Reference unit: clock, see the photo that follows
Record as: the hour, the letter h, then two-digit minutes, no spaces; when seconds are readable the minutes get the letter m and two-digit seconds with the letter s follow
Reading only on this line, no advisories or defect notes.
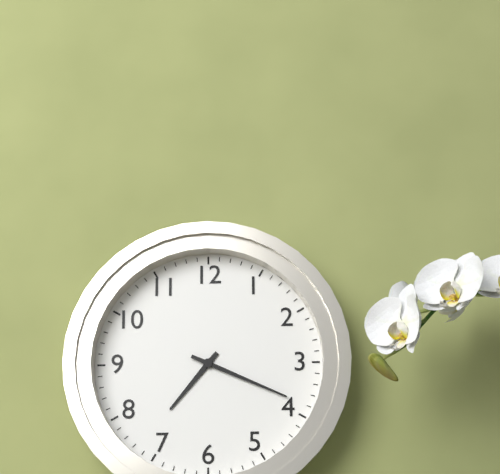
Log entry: 7h19
